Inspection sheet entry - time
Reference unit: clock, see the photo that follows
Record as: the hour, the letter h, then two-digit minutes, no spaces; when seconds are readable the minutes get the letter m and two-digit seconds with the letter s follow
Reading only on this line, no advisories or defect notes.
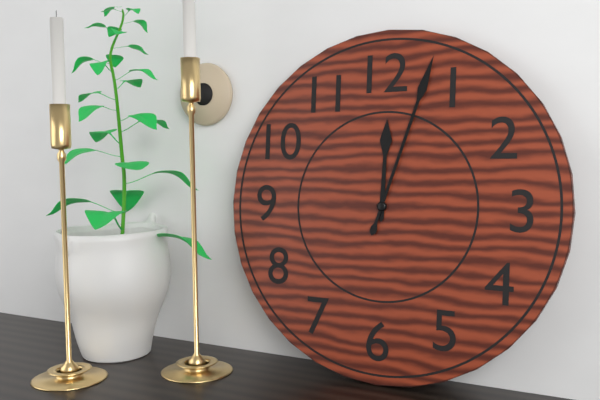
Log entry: 12h03
